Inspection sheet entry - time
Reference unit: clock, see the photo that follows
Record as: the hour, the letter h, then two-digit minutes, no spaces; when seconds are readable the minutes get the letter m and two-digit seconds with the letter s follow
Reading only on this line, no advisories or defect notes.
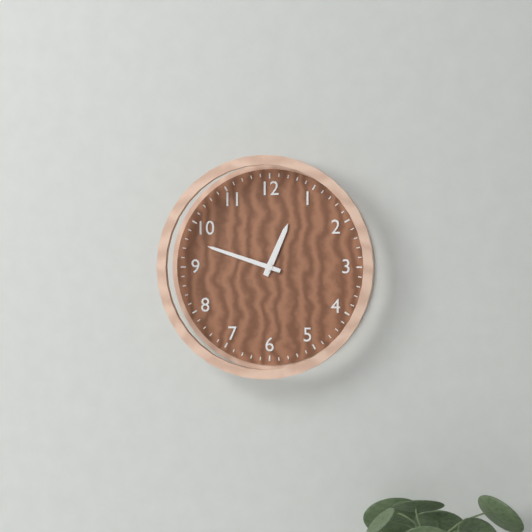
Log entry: 12h48
